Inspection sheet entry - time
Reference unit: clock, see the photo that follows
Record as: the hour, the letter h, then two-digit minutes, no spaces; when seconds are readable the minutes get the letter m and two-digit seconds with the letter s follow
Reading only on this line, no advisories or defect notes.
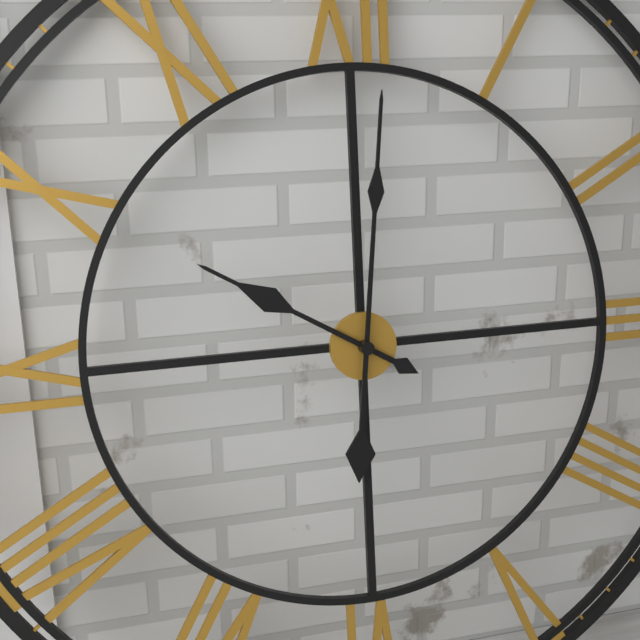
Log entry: 10h01
